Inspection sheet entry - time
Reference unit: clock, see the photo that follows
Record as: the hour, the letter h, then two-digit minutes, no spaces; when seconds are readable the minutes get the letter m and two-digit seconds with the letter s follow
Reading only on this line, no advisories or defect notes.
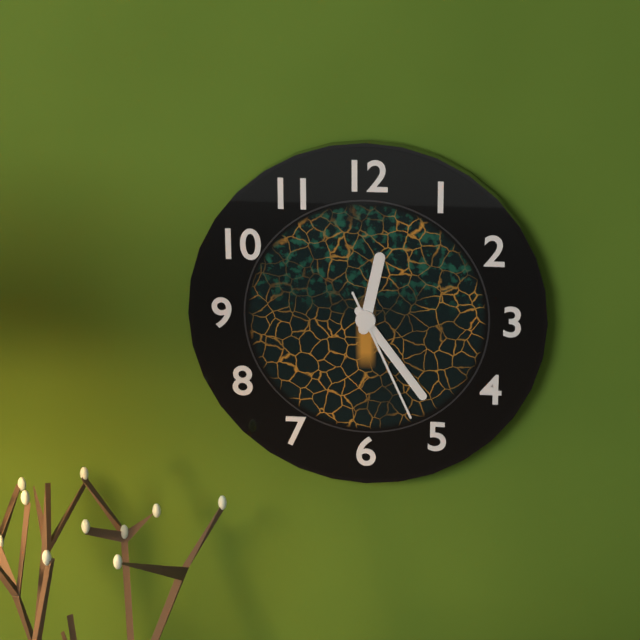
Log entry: 12h24m26s
